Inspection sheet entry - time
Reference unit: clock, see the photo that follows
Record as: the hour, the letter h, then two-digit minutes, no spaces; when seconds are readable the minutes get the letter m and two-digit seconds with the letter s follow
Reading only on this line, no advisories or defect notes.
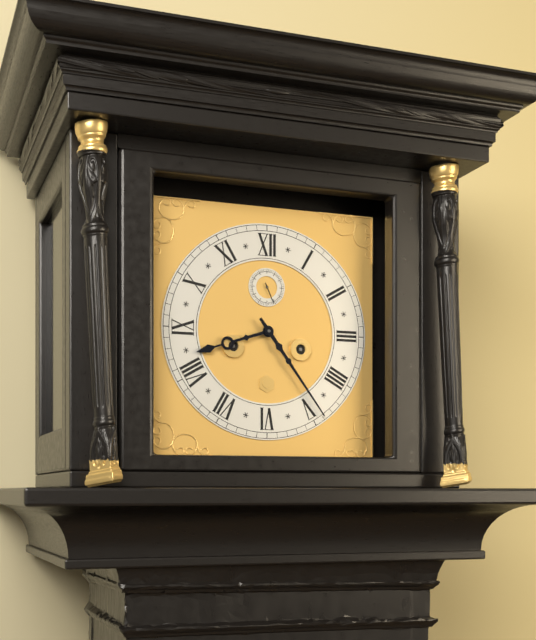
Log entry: 8h24
